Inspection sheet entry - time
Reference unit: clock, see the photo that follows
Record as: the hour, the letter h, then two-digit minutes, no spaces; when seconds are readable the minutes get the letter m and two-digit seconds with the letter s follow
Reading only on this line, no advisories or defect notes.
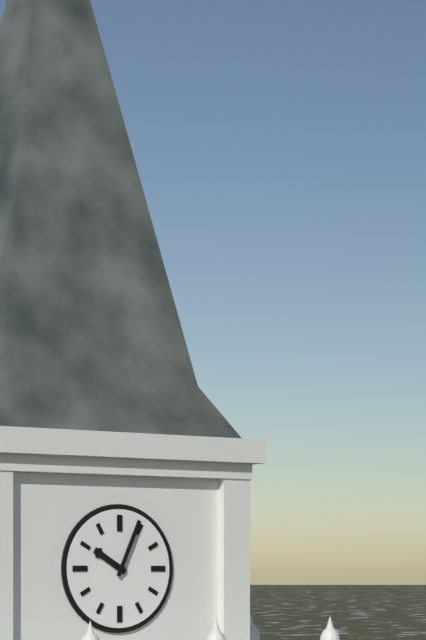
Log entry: 10h04
